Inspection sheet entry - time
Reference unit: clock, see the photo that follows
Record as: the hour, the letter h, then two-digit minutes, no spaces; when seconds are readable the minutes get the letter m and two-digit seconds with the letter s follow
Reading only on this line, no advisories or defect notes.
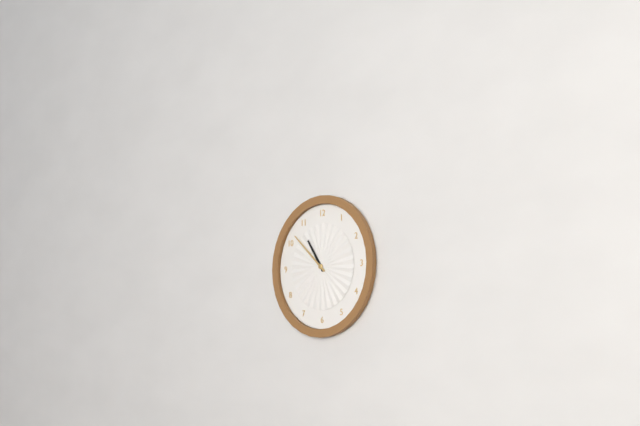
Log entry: 10h52
